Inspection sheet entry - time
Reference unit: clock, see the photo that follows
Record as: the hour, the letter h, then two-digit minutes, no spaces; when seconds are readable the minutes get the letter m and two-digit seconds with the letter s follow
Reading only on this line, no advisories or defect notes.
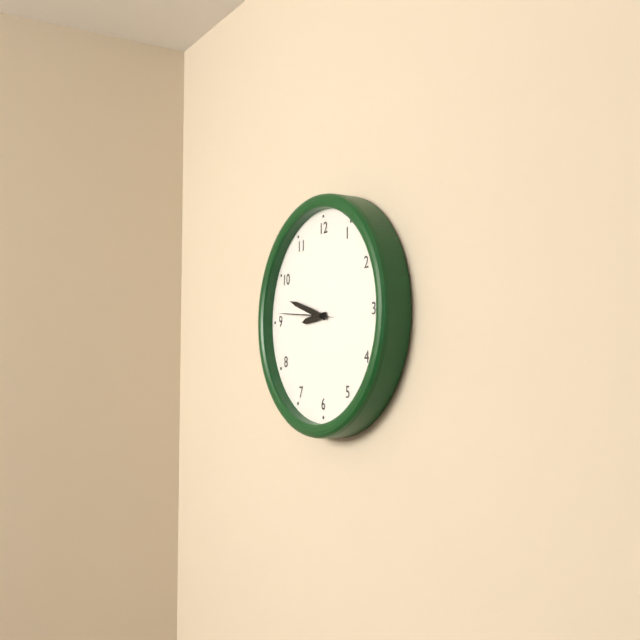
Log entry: 8h48m46s
